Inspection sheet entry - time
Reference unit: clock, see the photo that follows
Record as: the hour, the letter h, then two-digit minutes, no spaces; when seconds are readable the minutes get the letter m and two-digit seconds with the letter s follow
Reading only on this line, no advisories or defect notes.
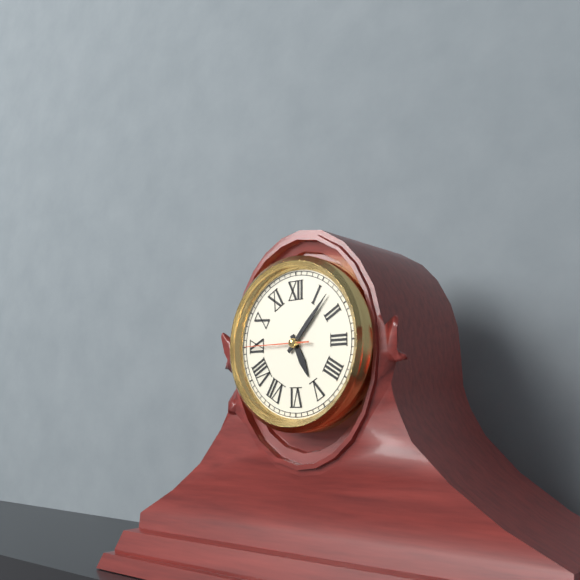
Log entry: 5h07m45s
